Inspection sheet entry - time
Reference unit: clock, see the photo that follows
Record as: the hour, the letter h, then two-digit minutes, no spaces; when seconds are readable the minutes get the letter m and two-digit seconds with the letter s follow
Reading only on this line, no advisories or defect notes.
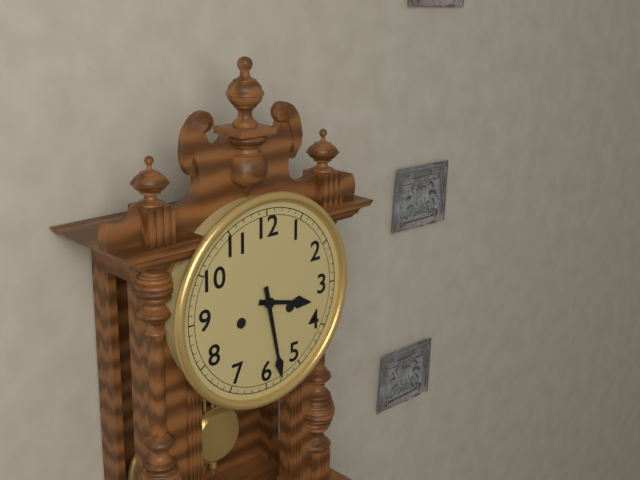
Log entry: 3h28
